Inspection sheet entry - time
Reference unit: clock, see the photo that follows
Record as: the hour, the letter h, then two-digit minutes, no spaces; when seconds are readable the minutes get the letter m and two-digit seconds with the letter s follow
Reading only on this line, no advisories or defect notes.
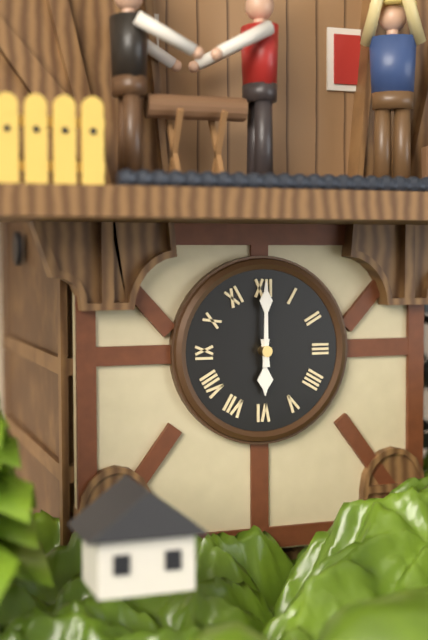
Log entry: 6h00
